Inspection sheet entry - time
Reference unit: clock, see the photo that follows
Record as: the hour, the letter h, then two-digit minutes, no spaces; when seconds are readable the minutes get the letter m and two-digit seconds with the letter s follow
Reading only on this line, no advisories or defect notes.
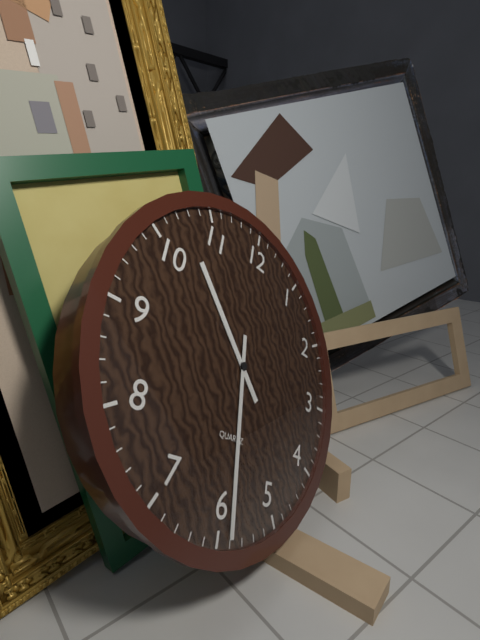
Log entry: 10h29
